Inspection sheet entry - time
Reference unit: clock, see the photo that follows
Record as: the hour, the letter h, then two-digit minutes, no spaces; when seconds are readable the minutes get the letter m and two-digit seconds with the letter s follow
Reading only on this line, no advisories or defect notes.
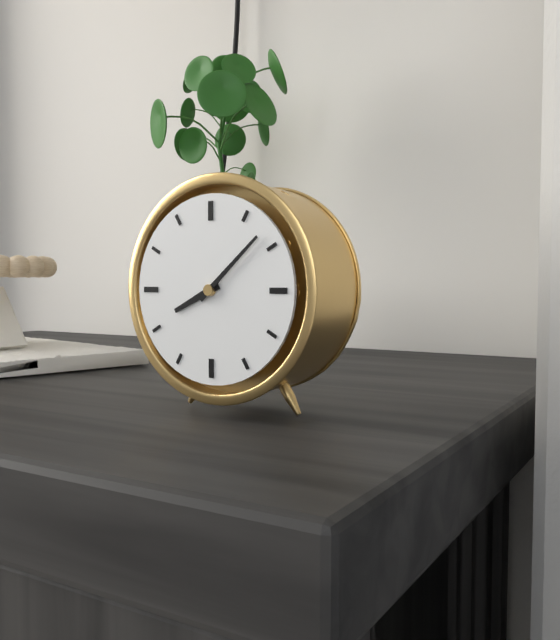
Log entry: 8h08
